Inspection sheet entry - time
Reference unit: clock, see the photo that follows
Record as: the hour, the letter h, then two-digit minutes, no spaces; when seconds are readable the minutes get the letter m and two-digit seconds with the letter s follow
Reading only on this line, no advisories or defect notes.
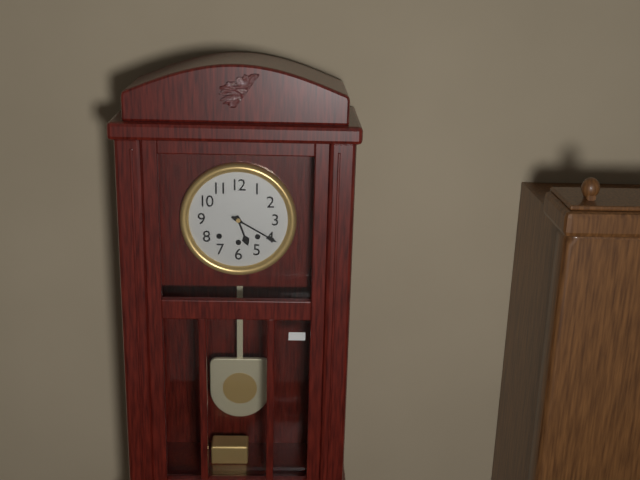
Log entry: 5h20
